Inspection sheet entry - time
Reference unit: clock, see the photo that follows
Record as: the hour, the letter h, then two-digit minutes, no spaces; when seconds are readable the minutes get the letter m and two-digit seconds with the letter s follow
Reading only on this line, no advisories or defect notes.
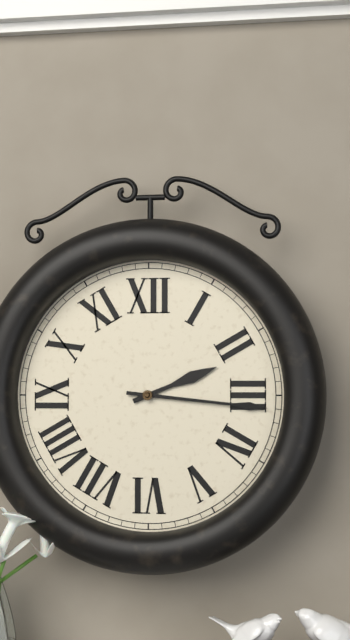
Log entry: 2h16
